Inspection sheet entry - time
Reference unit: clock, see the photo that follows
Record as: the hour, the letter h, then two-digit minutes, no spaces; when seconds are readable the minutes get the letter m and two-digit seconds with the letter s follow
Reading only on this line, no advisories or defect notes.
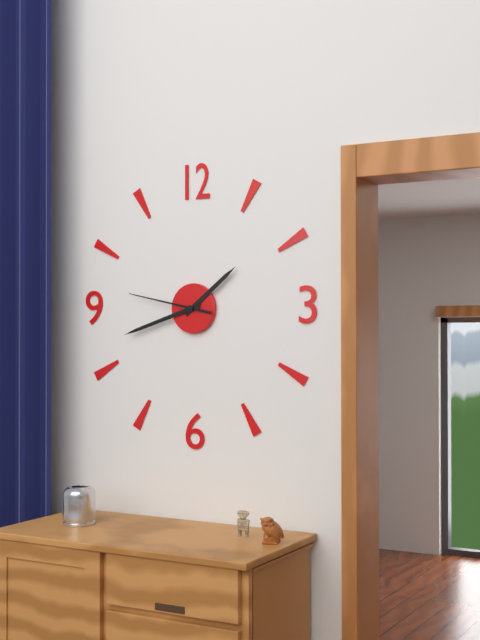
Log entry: 1h42m47s
